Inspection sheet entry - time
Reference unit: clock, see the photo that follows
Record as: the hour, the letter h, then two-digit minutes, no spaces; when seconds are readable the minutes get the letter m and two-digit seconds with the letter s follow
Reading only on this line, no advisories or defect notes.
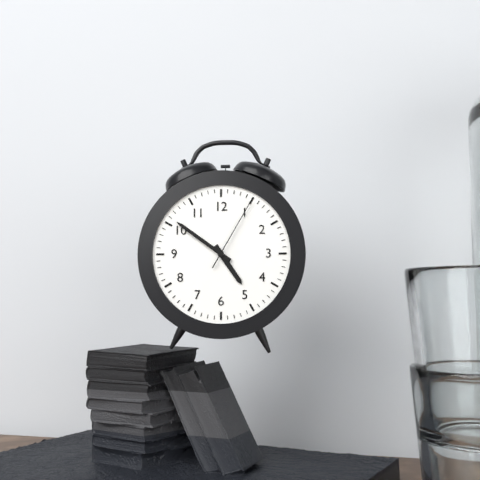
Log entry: 4h51m05s
